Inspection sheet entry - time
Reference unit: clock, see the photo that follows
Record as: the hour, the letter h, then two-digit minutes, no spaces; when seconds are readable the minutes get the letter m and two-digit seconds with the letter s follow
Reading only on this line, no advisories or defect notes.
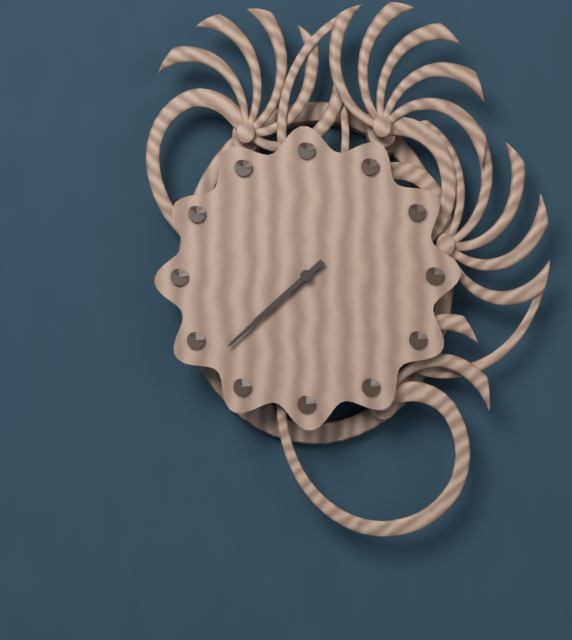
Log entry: 7h38
